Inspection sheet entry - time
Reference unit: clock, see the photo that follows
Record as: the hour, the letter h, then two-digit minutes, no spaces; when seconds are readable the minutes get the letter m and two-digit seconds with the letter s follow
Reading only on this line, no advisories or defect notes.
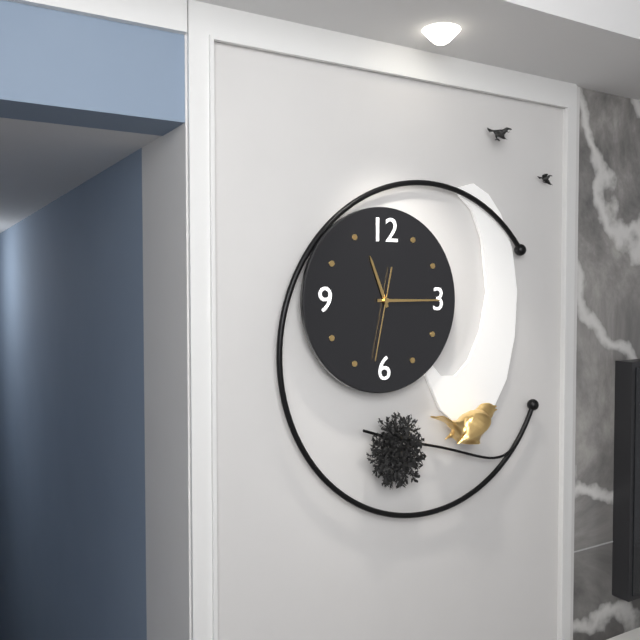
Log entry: 11h15m32s
